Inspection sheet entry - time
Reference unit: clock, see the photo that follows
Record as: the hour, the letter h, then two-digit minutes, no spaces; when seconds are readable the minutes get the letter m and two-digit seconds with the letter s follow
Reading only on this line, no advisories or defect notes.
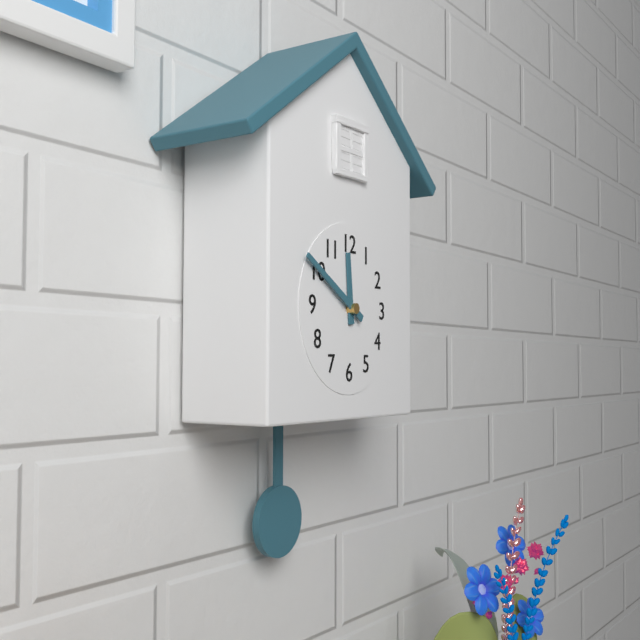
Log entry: 11h50
